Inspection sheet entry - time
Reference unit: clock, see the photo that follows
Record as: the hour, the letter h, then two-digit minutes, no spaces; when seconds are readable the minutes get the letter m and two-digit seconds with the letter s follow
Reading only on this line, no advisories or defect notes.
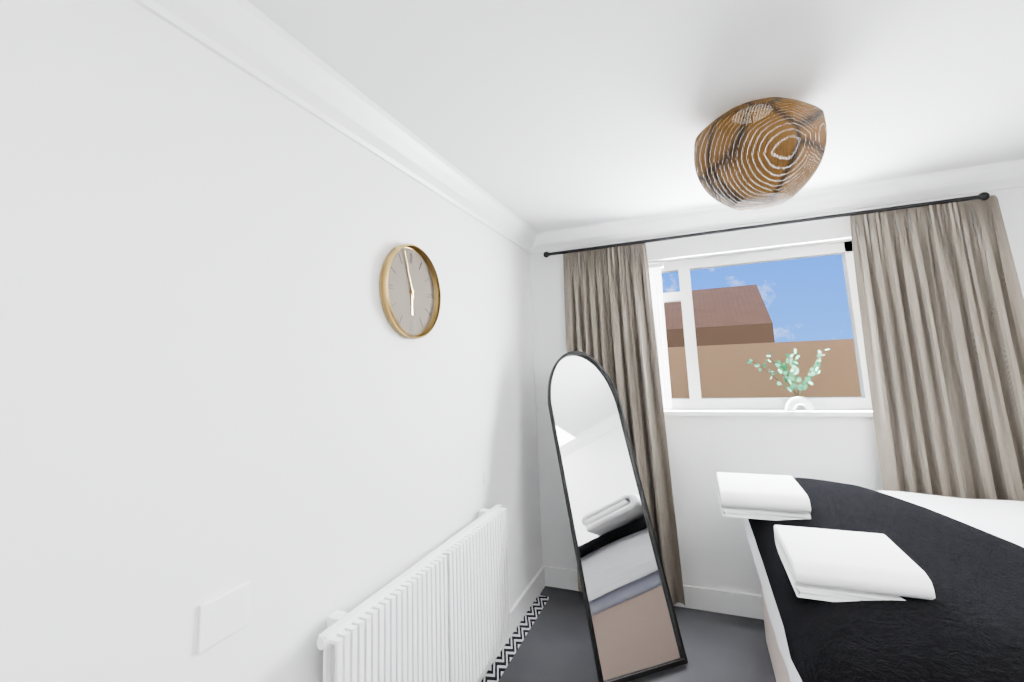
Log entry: 5h57
